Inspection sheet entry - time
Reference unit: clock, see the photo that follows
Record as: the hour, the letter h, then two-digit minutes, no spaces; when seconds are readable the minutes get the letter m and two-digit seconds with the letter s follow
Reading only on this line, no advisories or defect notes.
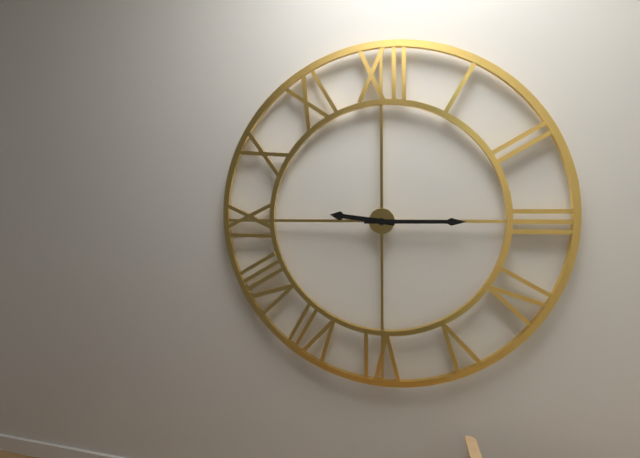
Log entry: 9h15
